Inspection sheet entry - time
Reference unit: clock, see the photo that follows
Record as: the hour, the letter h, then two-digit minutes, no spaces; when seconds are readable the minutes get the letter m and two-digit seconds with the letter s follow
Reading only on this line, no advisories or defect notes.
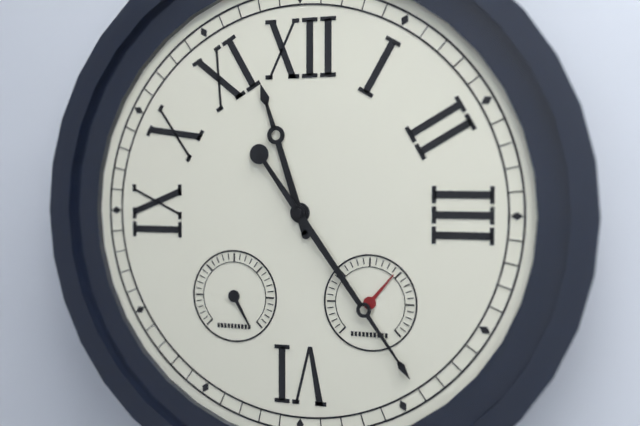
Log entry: 11h24
